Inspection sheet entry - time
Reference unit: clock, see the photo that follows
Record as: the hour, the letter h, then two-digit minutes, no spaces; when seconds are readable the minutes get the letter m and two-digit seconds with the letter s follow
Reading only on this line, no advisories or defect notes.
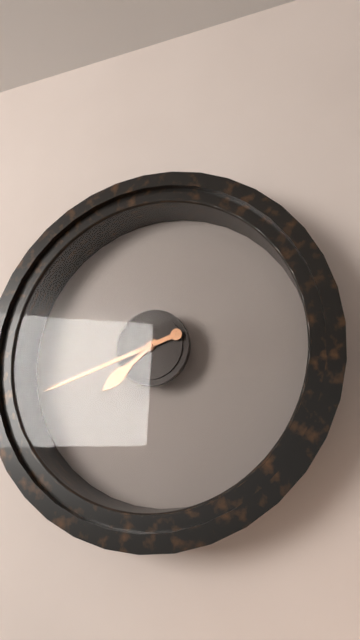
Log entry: 7h42
